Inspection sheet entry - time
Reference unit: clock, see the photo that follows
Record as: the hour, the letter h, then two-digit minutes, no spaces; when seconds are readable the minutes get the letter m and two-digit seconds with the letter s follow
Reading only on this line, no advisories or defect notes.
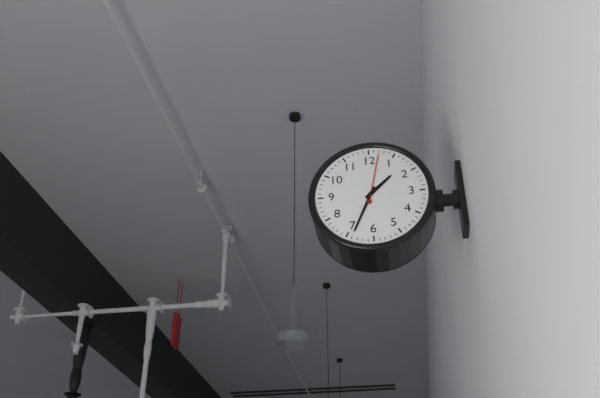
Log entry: 1h34m02s
